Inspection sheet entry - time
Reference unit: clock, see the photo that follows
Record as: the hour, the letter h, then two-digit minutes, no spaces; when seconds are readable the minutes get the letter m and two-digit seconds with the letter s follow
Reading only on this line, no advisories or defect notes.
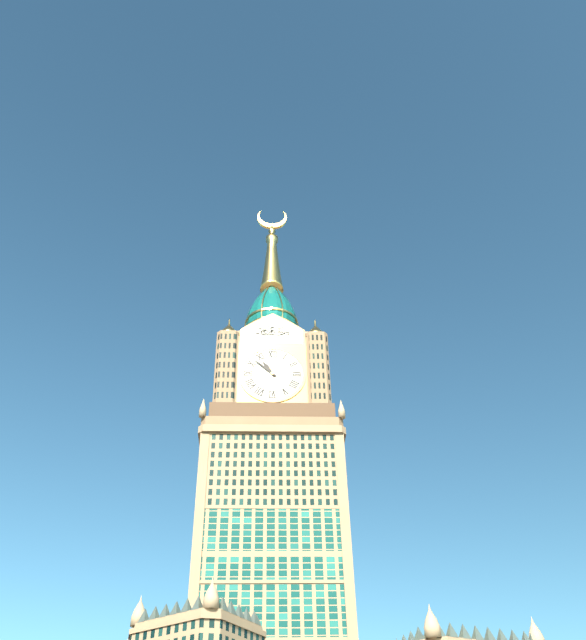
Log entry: 10h52
